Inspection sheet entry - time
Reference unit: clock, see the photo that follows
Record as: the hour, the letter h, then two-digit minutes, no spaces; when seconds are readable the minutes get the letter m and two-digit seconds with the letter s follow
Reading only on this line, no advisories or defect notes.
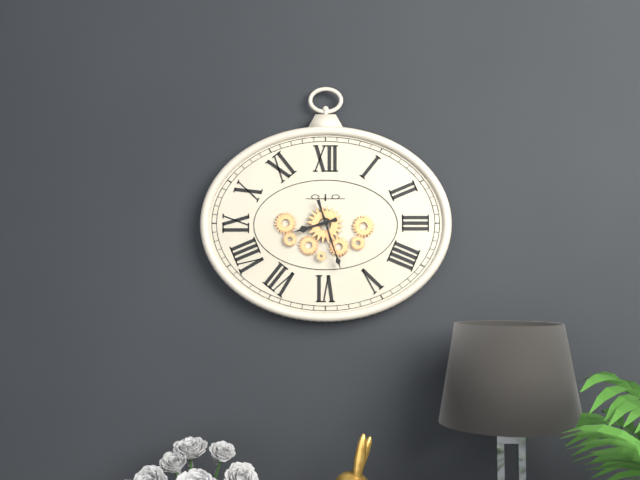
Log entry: 8h27
